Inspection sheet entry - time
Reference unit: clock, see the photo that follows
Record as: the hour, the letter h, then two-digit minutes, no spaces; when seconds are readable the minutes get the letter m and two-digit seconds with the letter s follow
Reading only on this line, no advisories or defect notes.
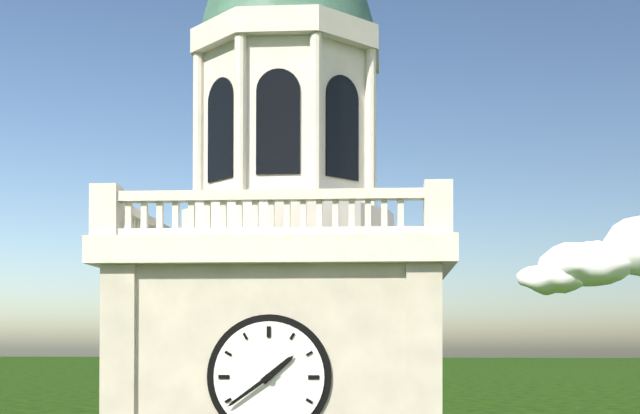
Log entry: 1h39
